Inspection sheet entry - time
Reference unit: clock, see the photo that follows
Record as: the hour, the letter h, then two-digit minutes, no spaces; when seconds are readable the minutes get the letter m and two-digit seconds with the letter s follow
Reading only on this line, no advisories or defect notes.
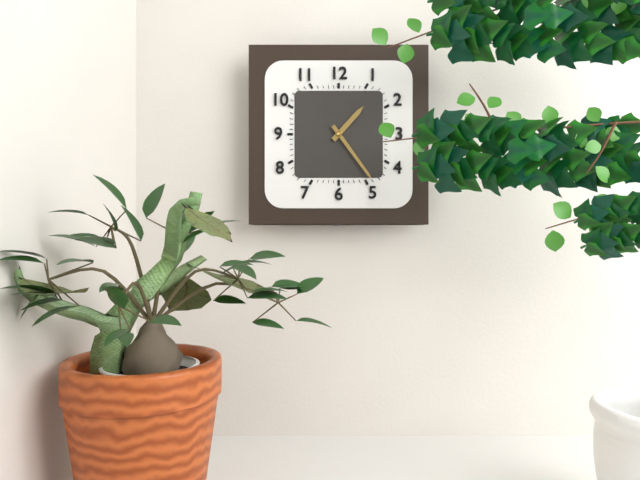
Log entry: 1h24
